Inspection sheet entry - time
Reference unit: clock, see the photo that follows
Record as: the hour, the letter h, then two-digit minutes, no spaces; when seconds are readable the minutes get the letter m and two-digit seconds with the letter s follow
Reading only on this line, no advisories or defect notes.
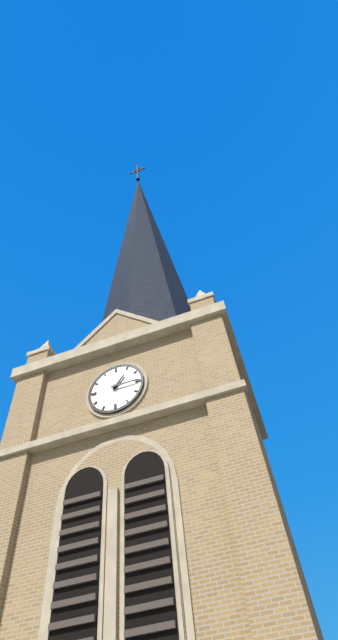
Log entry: 1h15
